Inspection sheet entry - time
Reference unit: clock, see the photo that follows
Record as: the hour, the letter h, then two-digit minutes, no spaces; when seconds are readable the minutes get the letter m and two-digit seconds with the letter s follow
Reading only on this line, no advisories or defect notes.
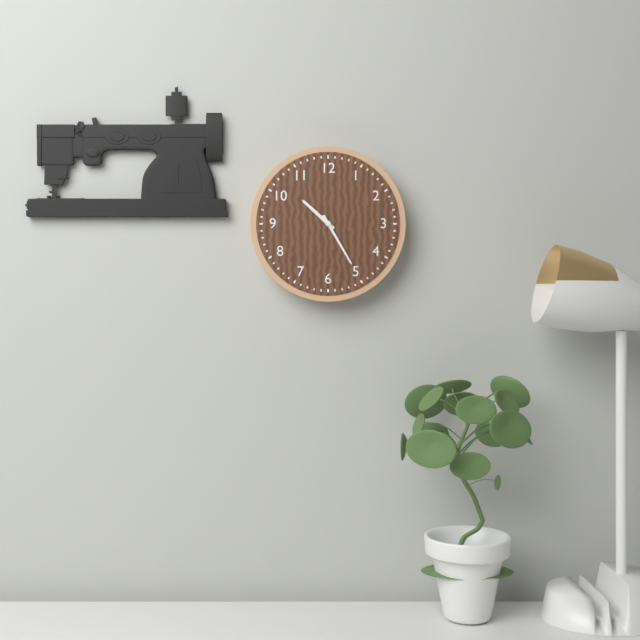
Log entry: 10h25
